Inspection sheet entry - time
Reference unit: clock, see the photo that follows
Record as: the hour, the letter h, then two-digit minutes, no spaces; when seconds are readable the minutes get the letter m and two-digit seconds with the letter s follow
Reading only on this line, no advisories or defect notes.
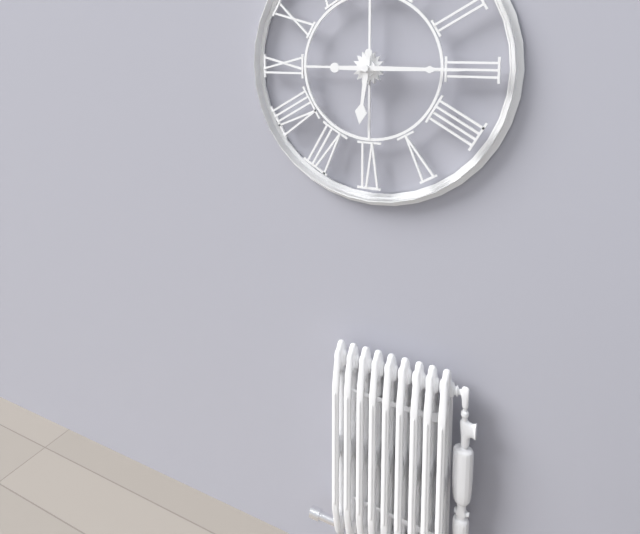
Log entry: 6h15
